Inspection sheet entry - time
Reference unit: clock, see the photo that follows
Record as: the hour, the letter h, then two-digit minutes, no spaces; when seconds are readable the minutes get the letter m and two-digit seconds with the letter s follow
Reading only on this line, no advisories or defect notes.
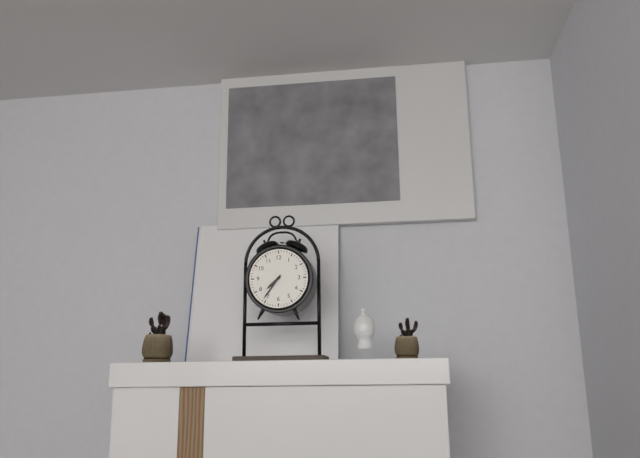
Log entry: 7h36
